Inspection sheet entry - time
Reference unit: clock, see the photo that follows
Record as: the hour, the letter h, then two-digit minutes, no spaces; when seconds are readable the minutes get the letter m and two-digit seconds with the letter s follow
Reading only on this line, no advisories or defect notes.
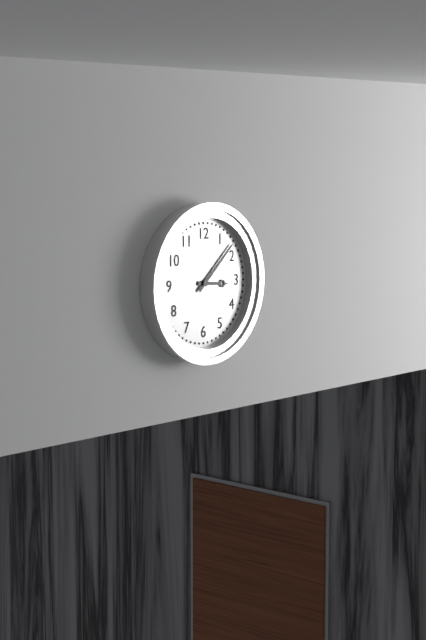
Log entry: 3h08
